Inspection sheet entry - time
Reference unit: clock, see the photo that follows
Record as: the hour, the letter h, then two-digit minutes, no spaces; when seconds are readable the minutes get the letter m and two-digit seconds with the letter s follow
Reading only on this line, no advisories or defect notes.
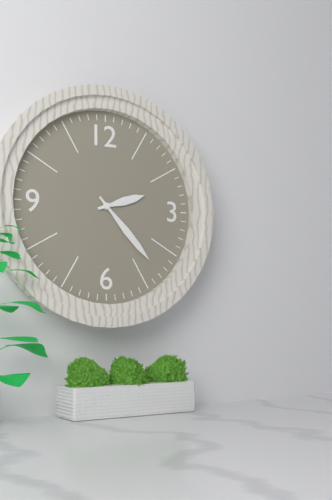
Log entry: 2h23
